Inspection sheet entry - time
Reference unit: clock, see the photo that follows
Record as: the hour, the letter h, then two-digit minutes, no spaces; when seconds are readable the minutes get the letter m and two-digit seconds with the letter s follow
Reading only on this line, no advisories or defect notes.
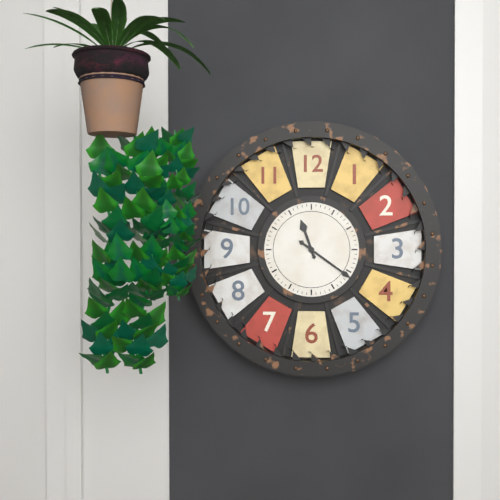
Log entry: 11h21
